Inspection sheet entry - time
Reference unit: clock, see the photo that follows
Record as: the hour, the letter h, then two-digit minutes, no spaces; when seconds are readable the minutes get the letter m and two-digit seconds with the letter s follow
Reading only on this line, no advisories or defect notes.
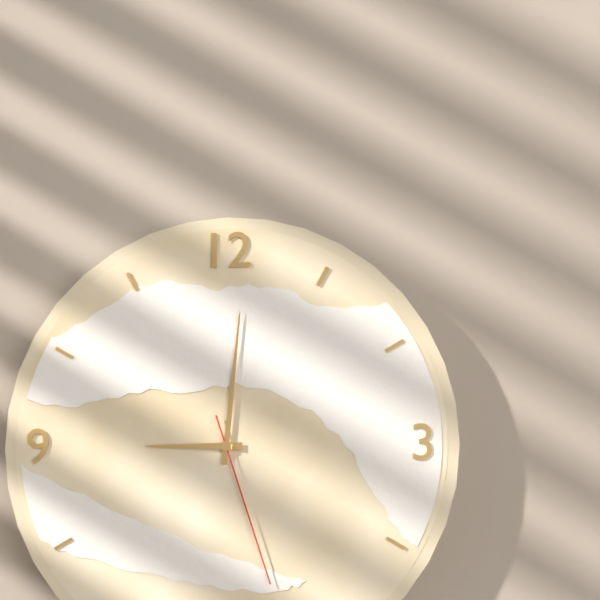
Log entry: 9h01m27s
